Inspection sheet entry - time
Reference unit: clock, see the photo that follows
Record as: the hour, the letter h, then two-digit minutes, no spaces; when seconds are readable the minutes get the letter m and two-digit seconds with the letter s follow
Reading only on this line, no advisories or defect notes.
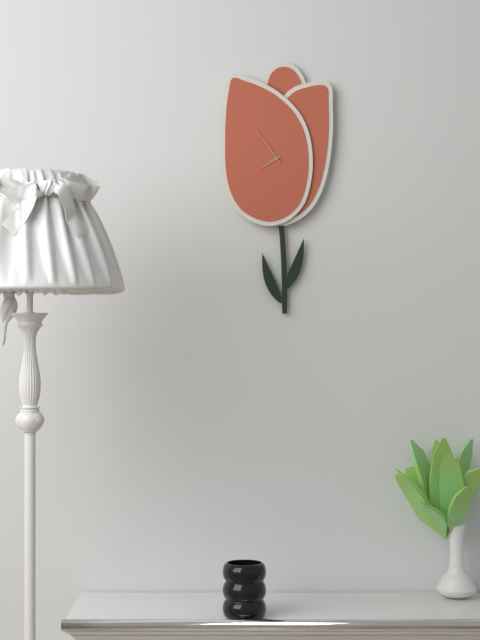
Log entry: 7h54
